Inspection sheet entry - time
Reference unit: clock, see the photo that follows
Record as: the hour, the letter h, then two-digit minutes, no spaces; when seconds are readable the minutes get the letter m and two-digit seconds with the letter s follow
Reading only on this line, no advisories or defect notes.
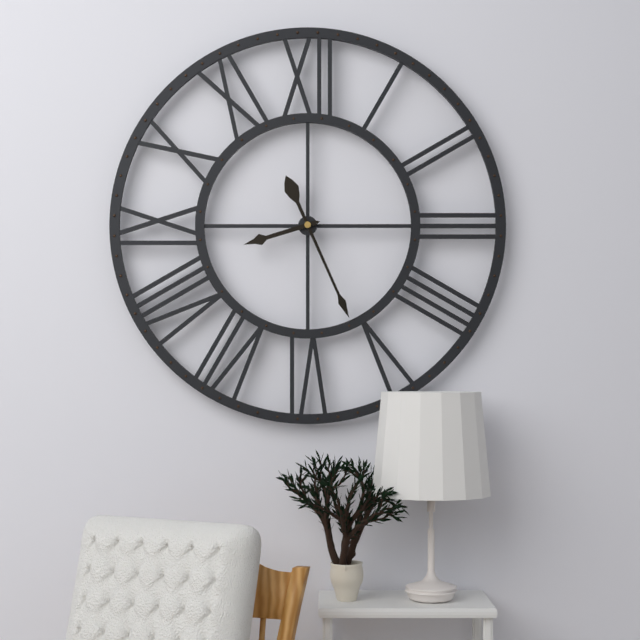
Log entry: 8h26
